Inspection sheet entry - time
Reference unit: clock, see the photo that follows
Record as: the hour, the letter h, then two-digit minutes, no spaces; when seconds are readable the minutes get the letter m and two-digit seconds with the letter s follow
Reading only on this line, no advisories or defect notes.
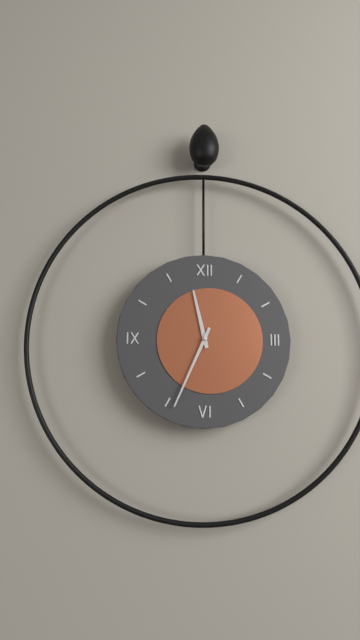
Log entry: 11h34
